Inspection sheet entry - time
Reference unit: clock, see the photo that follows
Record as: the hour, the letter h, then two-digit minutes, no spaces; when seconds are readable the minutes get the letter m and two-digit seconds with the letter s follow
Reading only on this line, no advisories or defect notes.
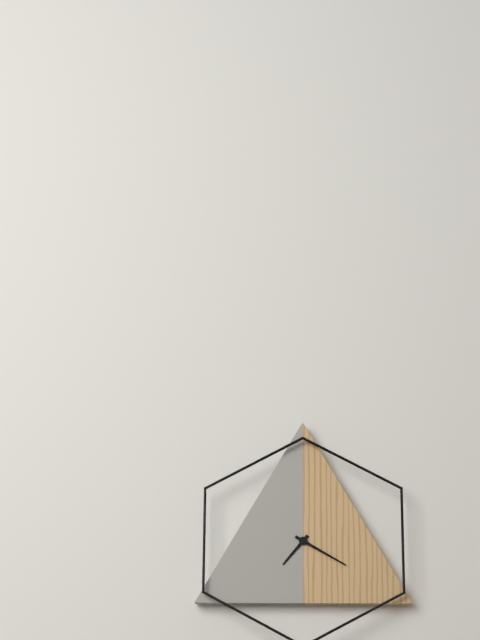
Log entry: 7h20
